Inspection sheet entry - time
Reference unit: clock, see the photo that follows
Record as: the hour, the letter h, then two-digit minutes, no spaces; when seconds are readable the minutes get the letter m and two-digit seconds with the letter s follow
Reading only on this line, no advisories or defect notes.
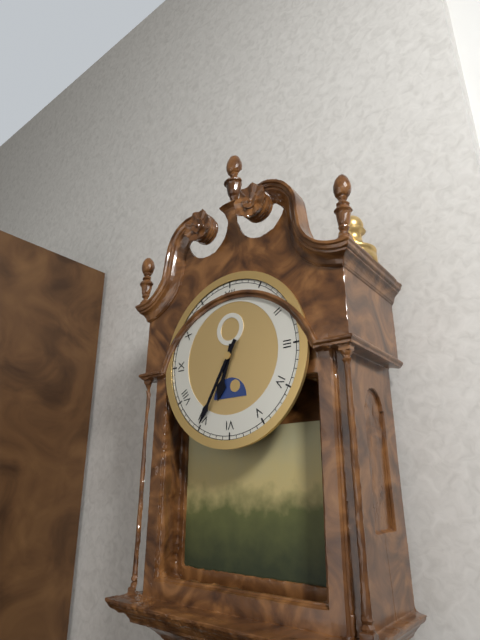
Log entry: 6h35
